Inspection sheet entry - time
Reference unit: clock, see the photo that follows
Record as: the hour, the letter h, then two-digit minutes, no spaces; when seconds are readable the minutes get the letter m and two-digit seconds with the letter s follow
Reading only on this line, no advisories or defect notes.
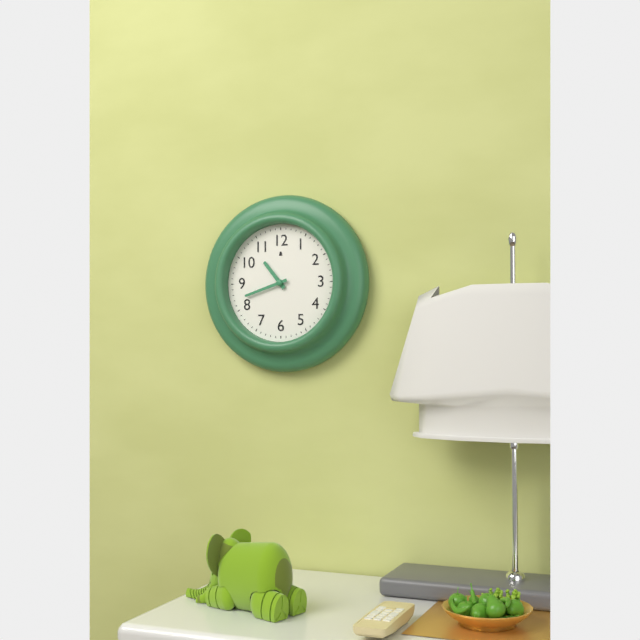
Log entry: 10h42
